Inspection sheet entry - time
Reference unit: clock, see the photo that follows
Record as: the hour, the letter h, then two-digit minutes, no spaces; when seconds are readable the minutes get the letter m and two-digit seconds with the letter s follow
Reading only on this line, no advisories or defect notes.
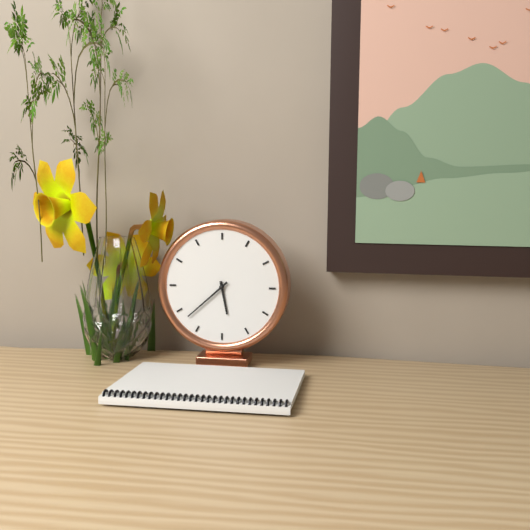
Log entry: 5h38
